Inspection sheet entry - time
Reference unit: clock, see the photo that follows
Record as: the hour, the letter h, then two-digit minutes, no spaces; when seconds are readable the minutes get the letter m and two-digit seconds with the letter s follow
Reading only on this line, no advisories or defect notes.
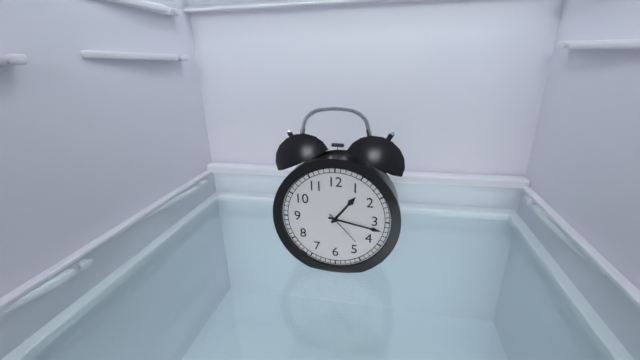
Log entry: 1h17
